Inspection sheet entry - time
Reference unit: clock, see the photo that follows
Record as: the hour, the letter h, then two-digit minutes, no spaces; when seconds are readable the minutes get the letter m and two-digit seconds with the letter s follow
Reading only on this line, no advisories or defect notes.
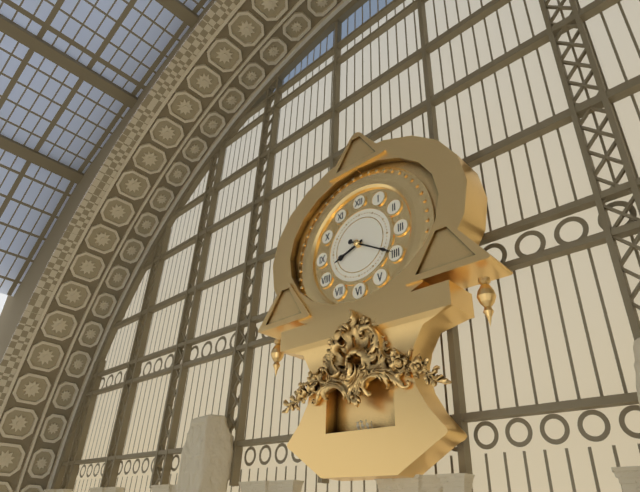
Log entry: 8h20
